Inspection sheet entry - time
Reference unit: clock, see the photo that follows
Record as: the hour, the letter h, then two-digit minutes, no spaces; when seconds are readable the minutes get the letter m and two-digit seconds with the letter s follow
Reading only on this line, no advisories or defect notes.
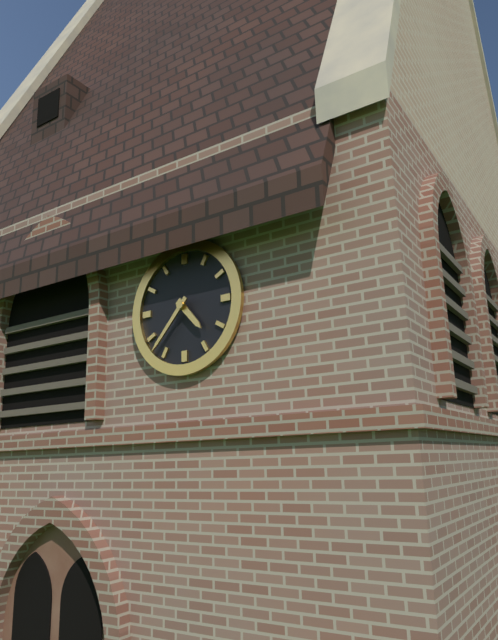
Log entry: 4h37
